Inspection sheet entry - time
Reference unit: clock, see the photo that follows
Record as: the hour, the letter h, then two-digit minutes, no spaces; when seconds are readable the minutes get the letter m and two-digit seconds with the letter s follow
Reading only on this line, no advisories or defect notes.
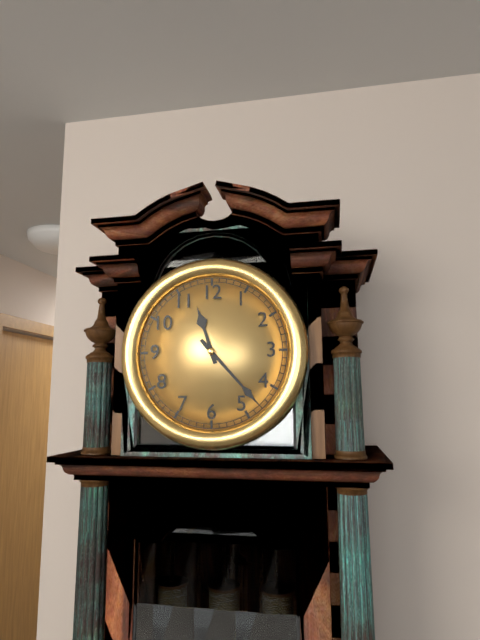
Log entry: 11h23
